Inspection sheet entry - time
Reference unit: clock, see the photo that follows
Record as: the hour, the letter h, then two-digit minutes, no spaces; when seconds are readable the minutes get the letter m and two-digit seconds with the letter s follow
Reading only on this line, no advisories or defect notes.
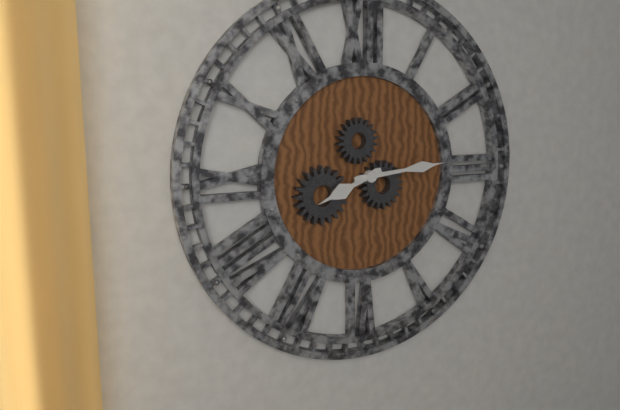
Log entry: 8h14
